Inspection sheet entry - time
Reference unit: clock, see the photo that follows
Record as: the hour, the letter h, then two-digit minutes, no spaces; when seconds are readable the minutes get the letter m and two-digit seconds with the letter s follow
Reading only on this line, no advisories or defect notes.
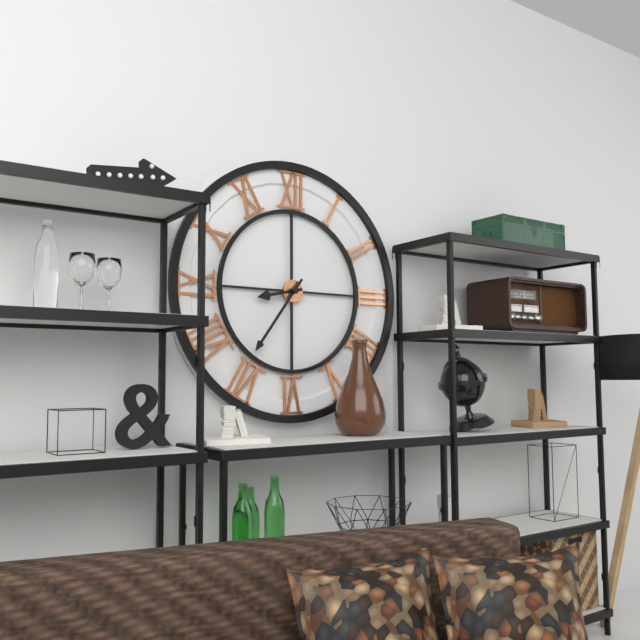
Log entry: 8h36
